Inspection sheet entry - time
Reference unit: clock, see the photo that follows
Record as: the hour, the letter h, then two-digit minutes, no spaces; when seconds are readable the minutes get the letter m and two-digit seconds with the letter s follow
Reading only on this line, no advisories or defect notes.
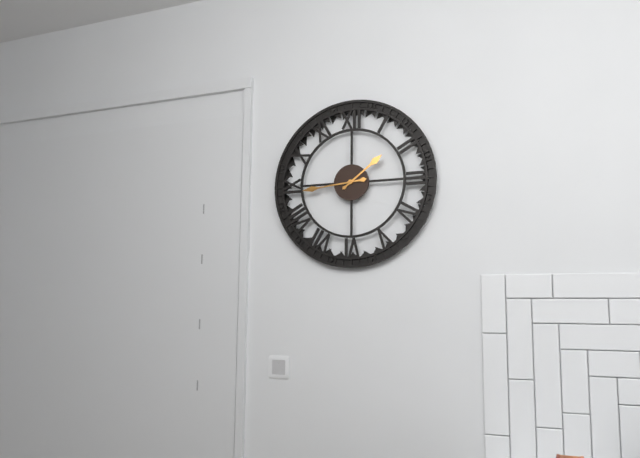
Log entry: 1h44
